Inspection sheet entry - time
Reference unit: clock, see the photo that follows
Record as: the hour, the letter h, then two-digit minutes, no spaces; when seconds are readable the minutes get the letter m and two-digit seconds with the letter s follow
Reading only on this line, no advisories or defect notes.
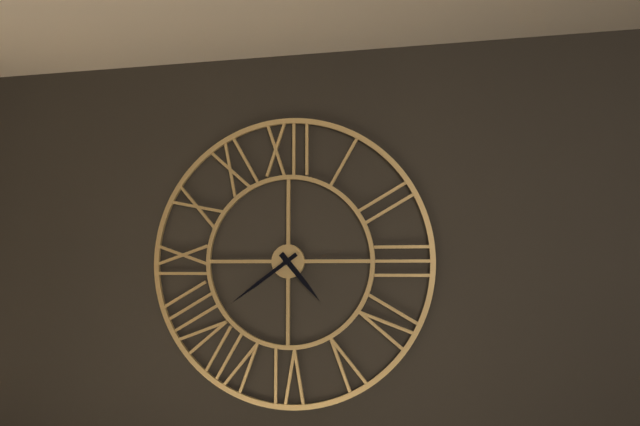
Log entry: 4h39
